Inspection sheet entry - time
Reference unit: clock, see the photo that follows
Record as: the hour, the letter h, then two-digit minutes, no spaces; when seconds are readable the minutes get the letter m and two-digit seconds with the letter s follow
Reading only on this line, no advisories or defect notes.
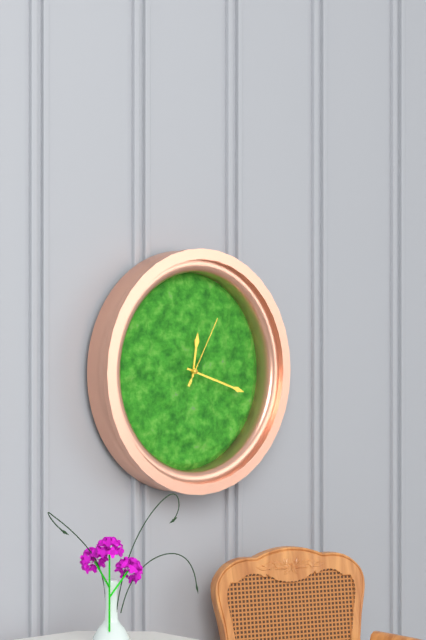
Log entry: 12h18m05s
